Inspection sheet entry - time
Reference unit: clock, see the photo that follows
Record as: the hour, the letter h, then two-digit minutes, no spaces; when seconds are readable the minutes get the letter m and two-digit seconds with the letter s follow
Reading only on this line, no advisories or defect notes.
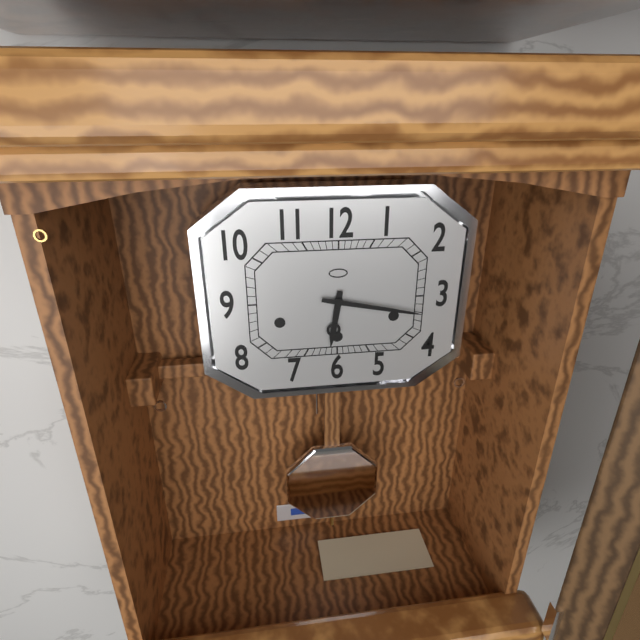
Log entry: 6h17
